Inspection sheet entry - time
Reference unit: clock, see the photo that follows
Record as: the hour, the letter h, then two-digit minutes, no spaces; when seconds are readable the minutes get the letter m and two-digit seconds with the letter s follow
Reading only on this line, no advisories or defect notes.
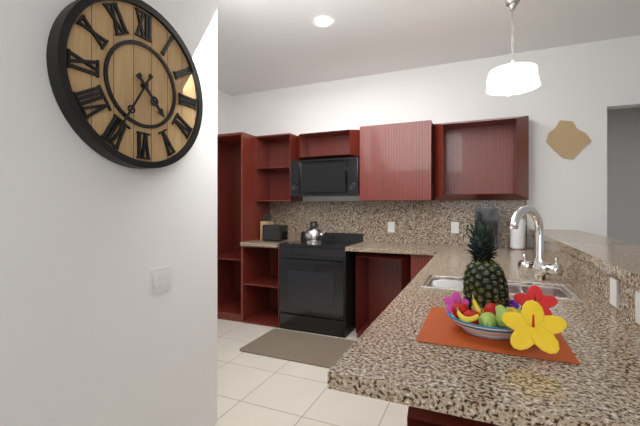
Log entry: 4h35
